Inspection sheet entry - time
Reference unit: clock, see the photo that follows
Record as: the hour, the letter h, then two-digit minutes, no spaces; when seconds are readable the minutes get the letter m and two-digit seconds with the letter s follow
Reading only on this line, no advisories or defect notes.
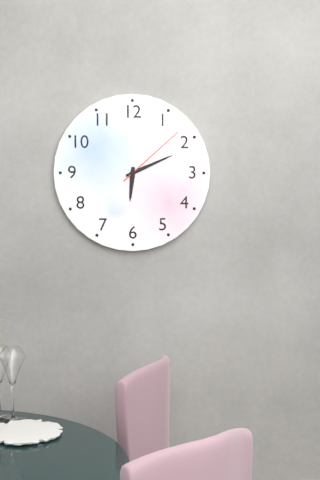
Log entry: 6h11m08s
